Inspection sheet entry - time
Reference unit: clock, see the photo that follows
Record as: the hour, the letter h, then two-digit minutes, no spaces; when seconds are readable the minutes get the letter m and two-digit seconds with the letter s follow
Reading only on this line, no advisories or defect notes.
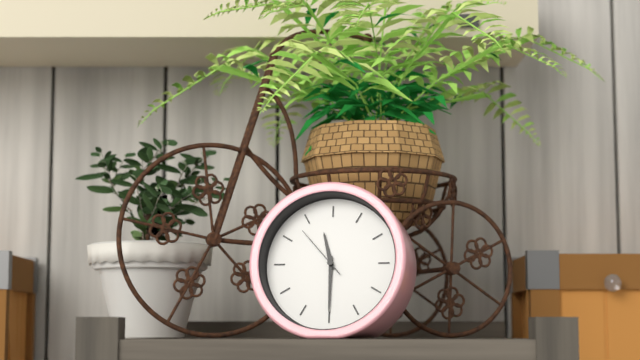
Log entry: 11h30m53s
